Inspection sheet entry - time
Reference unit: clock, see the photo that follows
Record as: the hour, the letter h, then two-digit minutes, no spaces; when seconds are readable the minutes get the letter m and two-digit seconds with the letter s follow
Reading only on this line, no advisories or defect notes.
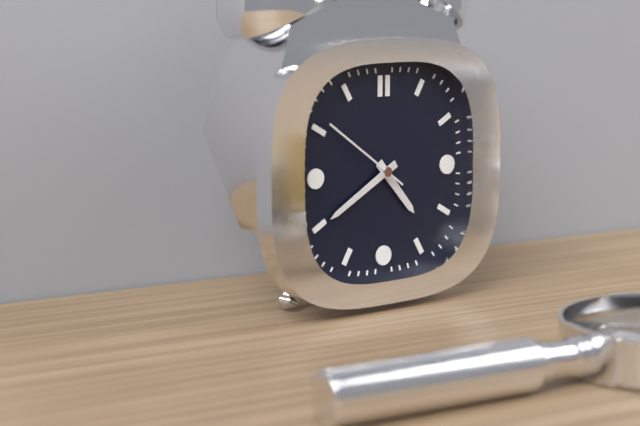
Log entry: 4h40m51s
